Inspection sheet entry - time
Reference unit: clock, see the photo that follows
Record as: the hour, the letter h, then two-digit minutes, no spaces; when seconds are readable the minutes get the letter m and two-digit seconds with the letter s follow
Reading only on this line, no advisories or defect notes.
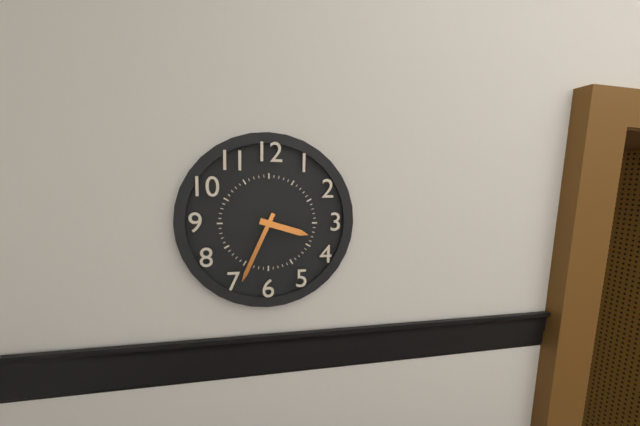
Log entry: 3h34
